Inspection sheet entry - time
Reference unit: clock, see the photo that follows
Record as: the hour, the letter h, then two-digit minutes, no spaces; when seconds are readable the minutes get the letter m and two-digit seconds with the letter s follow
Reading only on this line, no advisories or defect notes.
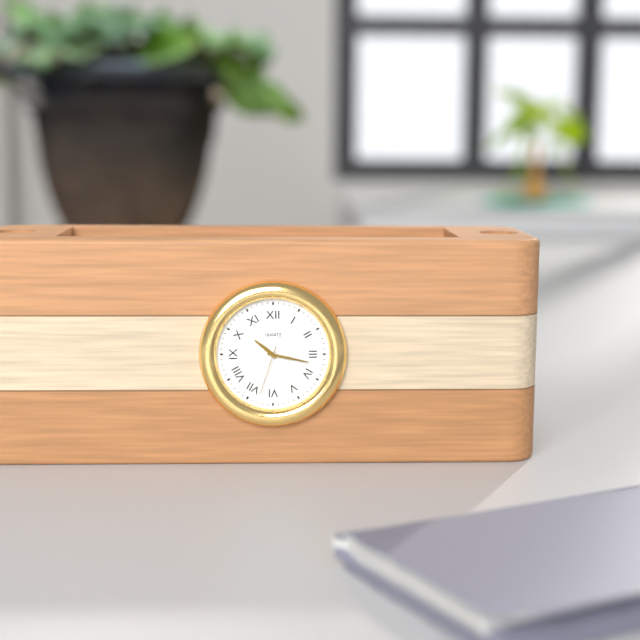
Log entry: 10h17m33s
